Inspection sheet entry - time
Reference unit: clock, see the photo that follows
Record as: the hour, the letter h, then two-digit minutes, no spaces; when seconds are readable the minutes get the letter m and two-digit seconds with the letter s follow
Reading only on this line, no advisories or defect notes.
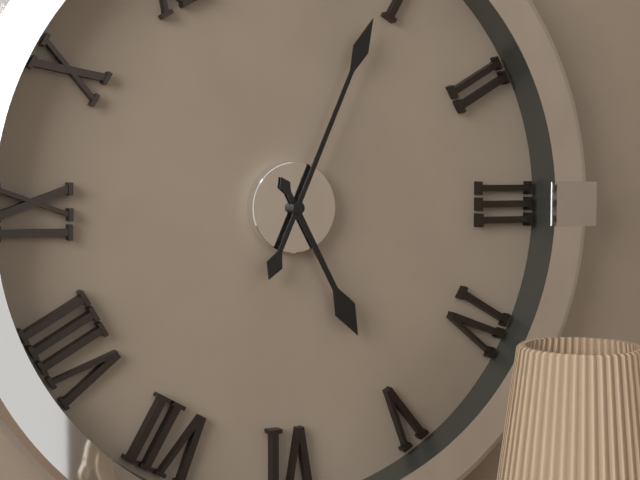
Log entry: 5h04
